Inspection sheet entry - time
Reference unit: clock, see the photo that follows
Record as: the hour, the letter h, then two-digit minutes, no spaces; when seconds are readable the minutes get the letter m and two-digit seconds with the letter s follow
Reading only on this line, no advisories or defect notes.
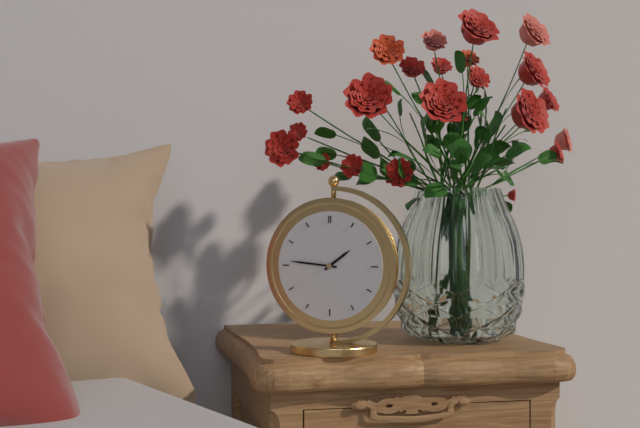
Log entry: 1h46
